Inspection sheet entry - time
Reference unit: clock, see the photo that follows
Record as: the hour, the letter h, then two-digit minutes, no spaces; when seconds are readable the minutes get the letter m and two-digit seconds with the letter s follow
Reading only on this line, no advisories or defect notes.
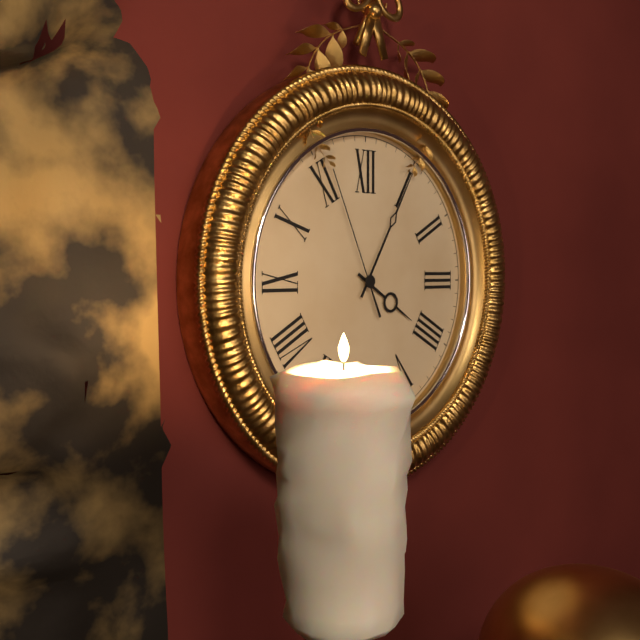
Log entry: 4h05m56s
